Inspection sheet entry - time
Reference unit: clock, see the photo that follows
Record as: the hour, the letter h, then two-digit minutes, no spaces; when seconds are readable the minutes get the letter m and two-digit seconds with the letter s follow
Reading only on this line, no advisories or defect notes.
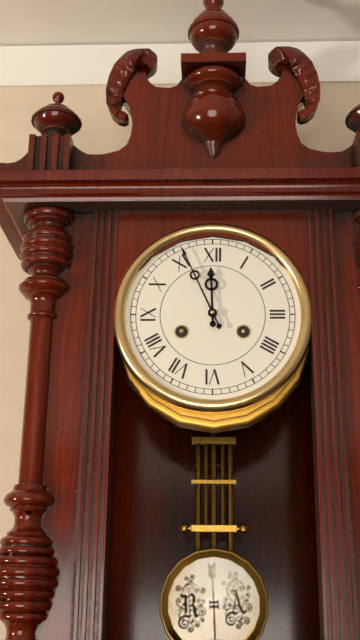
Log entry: 11h56
